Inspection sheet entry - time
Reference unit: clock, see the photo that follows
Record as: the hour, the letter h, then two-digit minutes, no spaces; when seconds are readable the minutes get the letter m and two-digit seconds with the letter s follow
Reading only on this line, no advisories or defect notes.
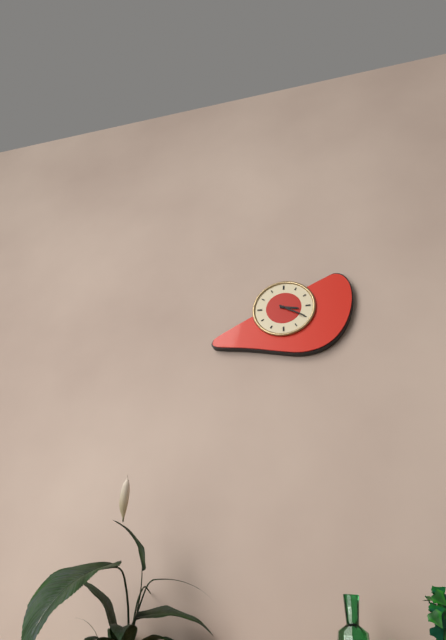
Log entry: 3h20
